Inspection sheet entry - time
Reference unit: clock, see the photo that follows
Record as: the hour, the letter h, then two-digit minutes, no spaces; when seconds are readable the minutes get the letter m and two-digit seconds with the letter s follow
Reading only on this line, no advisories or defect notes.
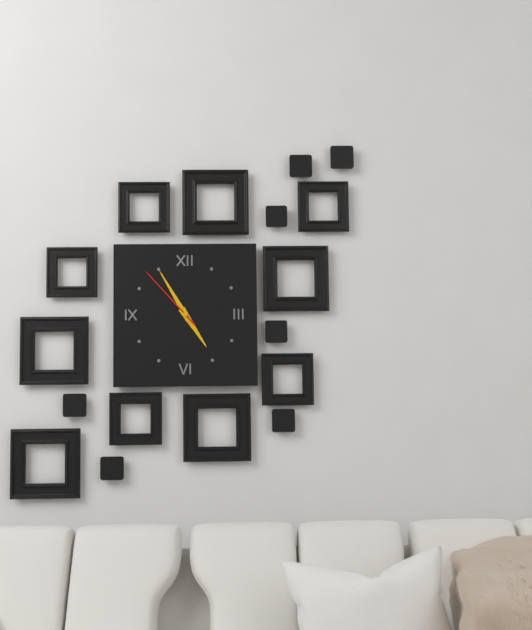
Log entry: 4h55m53s
